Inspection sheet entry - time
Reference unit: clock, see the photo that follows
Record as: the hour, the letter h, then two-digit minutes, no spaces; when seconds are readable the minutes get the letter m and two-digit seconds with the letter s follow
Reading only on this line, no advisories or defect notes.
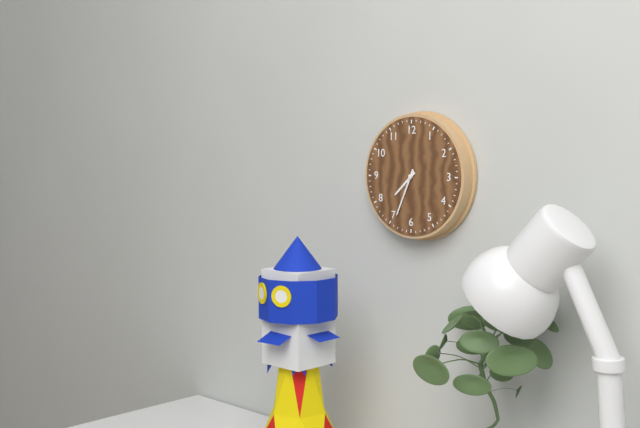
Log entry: 7h34
